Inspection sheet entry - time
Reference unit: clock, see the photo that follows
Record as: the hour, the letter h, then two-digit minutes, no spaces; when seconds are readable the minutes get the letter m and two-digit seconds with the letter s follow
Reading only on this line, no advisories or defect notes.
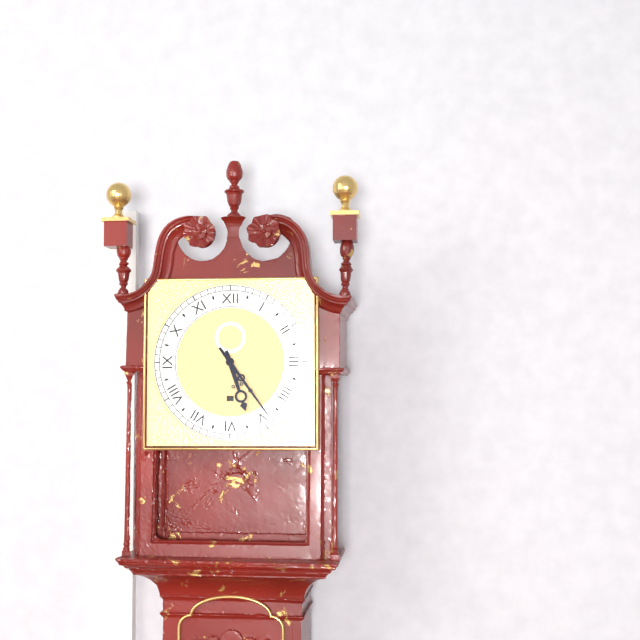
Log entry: 5h24
